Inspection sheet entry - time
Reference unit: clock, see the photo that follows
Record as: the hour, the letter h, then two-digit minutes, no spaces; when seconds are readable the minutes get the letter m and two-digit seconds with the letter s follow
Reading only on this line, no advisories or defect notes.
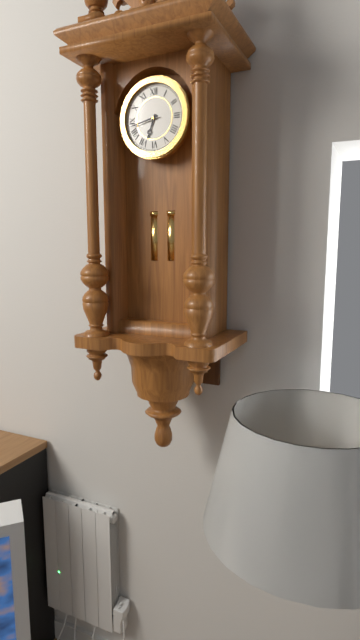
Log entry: 6h43
